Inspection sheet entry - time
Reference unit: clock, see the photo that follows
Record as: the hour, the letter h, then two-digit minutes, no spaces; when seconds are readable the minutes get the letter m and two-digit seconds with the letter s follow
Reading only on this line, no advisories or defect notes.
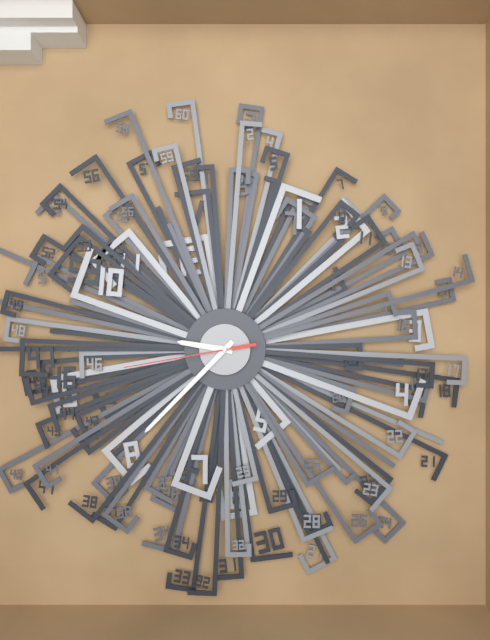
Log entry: 9h39m45s
